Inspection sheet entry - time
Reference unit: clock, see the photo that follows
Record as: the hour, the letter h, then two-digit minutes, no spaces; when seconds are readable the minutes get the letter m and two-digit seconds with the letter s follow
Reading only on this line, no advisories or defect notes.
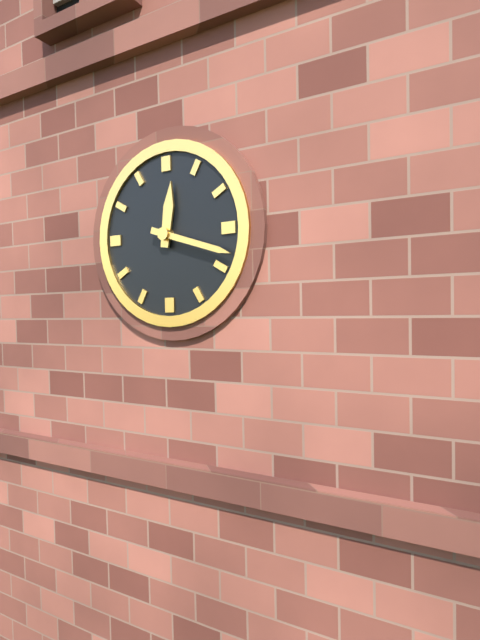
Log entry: 12h18
